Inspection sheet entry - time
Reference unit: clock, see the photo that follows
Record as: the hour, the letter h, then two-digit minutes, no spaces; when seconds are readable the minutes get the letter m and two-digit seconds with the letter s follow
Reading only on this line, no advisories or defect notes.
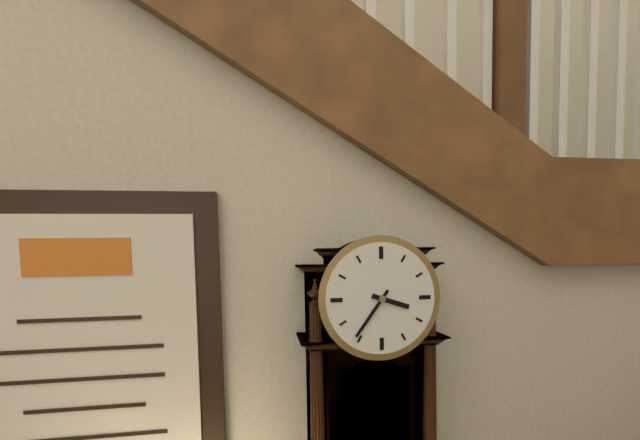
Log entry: 3h36
